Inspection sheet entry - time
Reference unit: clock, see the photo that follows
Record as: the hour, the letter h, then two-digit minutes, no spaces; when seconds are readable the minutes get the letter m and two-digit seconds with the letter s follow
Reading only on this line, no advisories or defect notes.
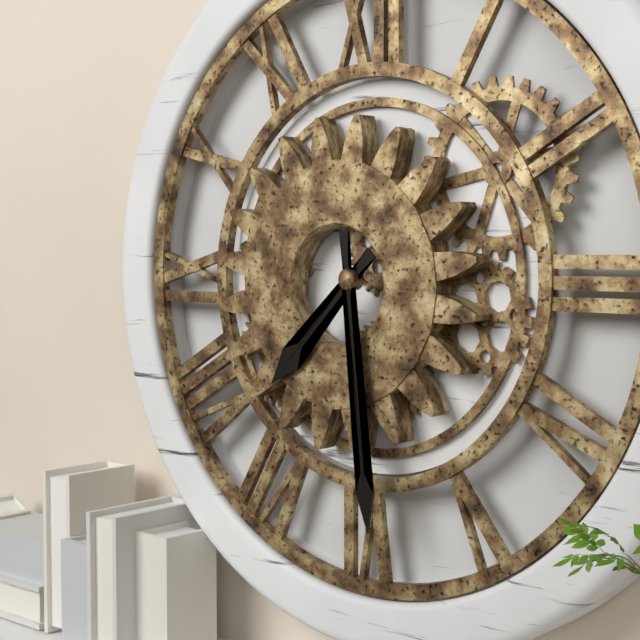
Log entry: 7h29
